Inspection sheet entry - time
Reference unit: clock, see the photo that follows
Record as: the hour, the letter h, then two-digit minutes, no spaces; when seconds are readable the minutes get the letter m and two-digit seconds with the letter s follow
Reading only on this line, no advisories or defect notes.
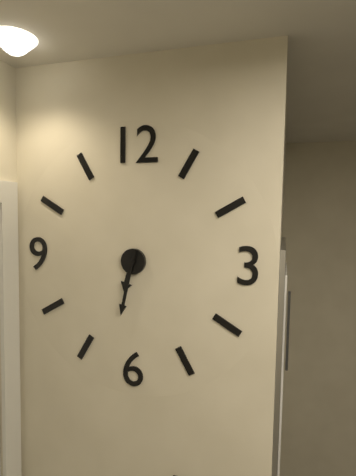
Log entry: 6h32
